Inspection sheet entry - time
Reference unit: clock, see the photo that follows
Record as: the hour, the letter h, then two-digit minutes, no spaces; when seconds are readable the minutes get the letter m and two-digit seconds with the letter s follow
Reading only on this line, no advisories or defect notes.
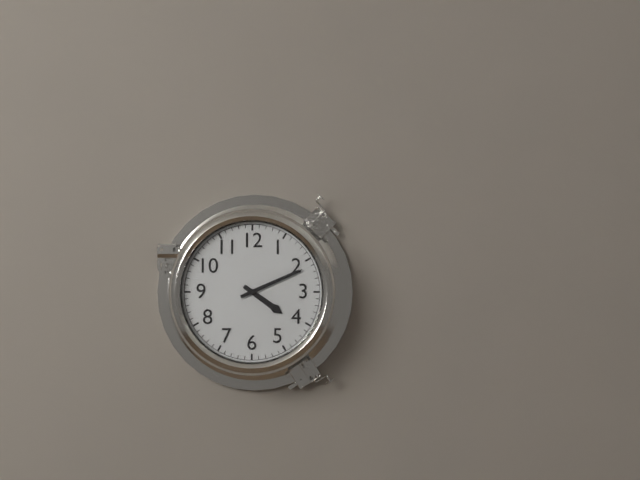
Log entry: 4h11
